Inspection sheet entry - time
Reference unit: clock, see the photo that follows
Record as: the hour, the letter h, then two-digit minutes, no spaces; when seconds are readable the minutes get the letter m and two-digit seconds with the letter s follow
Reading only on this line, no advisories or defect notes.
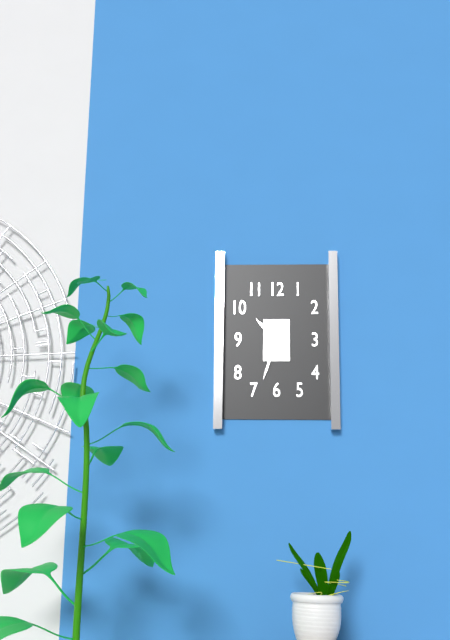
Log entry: 10h33
